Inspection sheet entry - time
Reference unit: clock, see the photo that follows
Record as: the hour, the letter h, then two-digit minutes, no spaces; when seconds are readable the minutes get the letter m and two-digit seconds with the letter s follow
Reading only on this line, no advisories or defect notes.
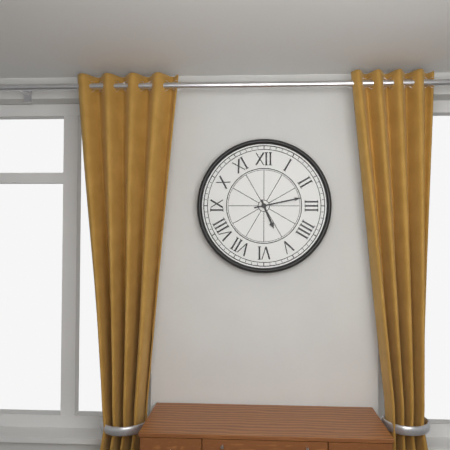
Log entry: 5h13
